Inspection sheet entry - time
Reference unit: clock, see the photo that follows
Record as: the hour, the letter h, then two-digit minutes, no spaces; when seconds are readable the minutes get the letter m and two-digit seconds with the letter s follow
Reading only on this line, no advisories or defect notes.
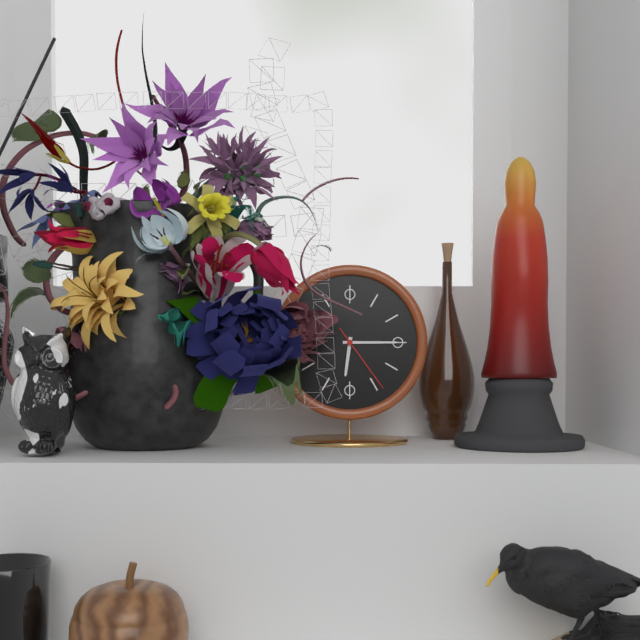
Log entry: 6h15m24s
